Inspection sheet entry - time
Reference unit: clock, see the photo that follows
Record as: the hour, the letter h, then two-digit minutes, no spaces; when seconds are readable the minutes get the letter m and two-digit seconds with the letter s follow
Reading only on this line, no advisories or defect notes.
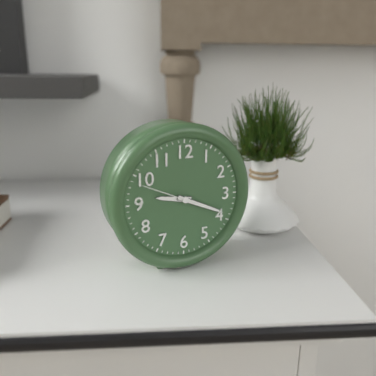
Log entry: 9h19
